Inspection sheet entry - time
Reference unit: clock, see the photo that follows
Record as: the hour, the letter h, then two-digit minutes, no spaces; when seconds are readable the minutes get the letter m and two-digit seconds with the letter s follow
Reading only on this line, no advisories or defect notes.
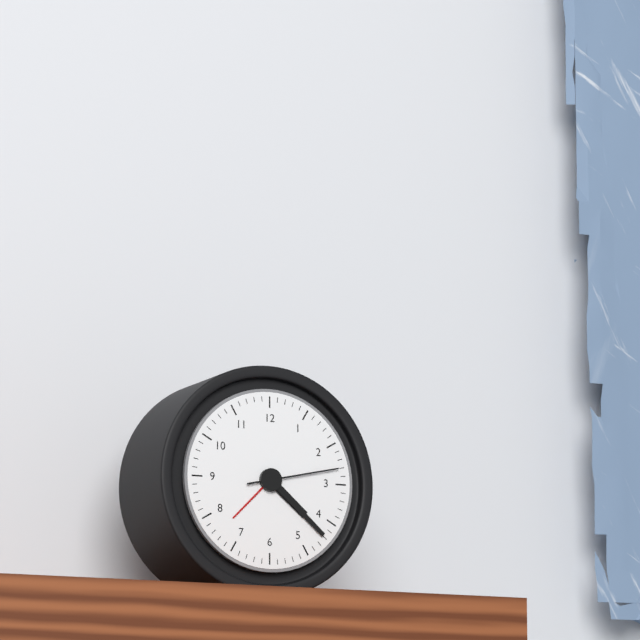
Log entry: 4h22m13s
